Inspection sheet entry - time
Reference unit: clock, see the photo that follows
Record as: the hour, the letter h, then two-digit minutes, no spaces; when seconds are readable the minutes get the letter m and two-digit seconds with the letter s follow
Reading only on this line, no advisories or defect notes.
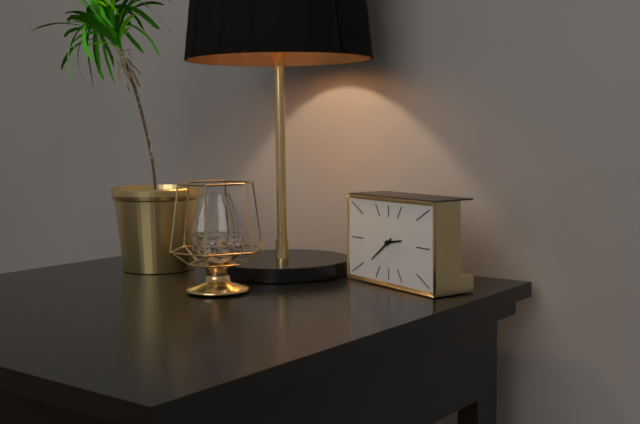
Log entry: 2h39
